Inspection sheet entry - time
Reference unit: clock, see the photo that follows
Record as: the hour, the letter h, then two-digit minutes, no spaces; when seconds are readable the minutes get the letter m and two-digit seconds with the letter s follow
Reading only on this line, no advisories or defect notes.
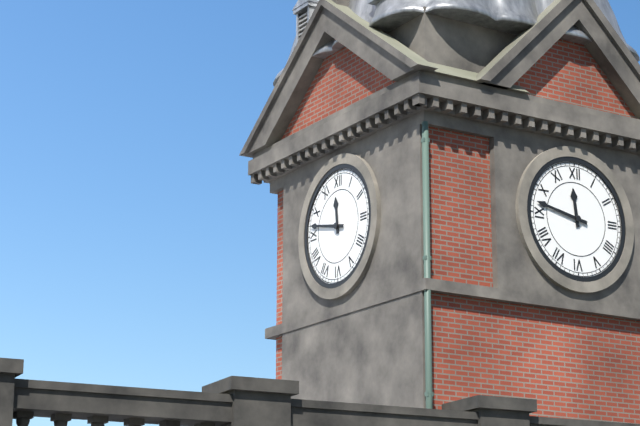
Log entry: 11h47
